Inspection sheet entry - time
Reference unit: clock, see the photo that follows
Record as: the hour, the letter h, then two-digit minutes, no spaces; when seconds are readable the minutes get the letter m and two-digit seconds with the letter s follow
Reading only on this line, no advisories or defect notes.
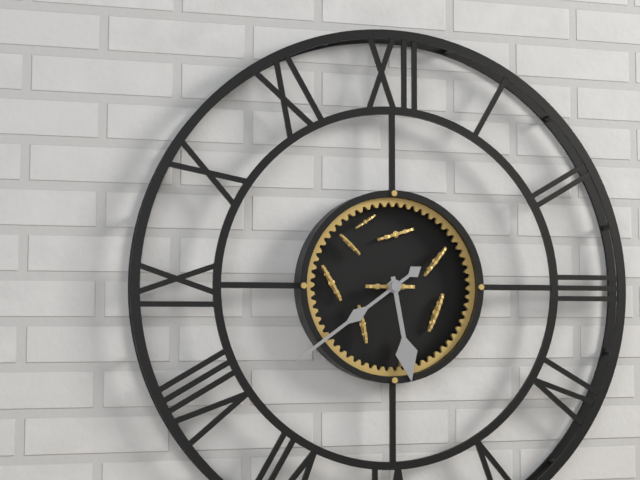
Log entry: 5h39
